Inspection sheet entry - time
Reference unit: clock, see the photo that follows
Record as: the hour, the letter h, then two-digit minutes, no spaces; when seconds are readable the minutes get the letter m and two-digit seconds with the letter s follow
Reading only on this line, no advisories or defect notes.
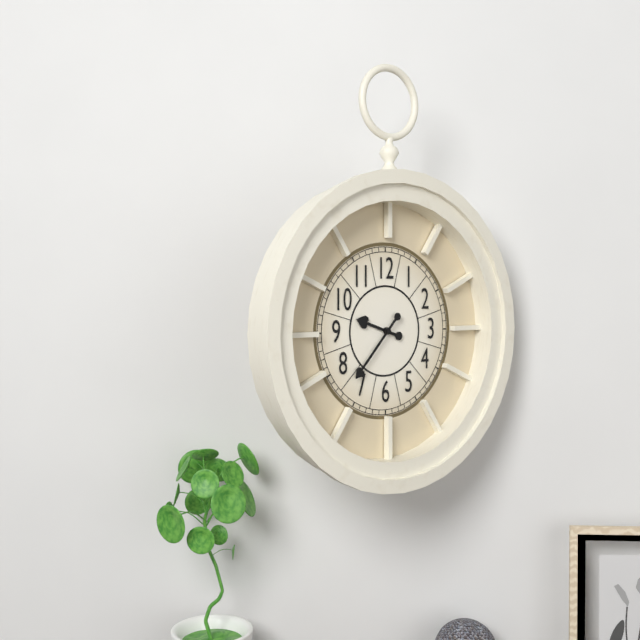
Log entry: 9h37
